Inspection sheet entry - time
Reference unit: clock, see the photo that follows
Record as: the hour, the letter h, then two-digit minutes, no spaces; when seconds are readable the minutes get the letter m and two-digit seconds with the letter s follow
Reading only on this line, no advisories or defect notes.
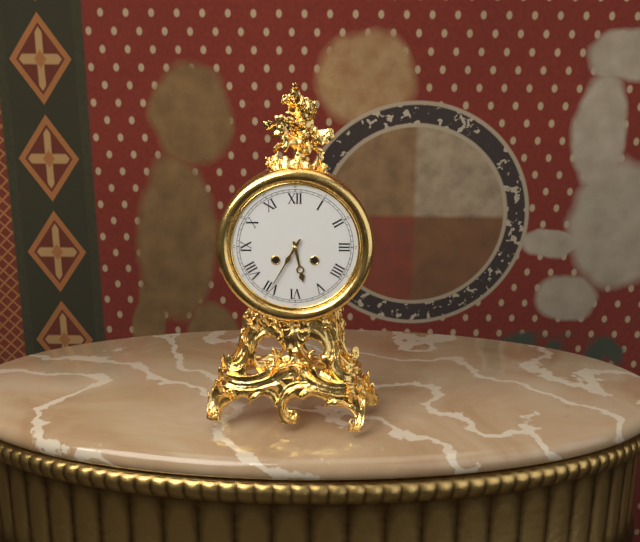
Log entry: 5h35
